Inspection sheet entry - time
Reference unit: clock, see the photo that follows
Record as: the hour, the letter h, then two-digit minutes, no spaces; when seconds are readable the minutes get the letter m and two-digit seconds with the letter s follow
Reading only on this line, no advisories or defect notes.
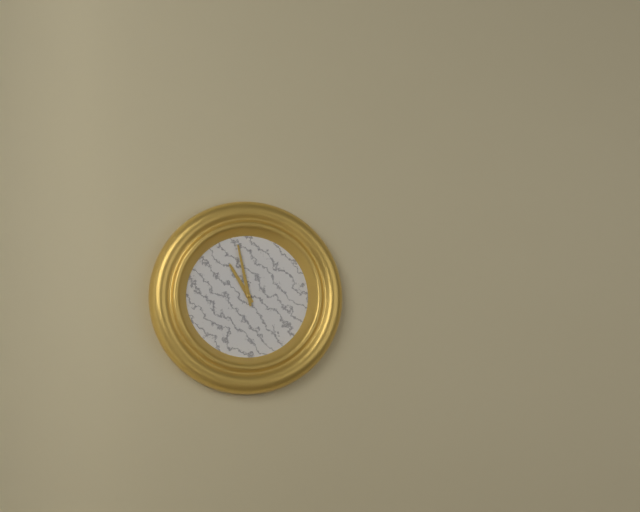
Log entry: 10h58
